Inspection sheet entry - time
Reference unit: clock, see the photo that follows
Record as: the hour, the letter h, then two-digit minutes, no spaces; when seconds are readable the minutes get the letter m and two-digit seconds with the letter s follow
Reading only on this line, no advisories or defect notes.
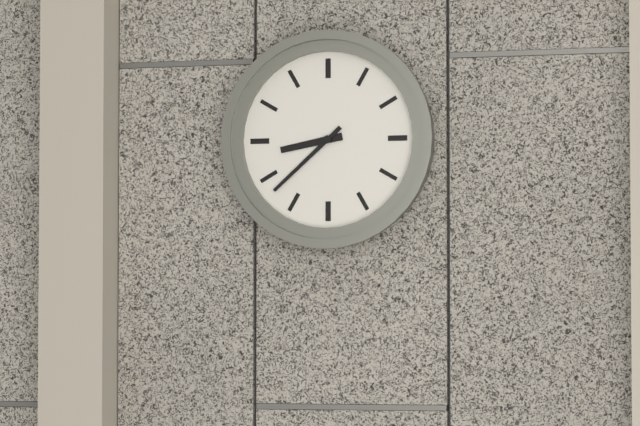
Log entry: 8h38
